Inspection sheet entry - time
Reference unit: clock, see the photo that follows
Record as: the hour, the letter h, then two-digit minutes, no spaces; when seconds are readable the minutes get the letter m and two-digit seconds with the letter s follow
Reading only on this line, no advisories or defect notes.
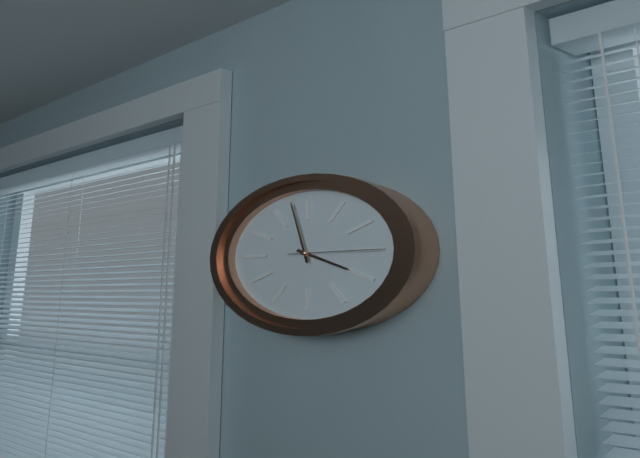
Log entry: 3h58m15s
